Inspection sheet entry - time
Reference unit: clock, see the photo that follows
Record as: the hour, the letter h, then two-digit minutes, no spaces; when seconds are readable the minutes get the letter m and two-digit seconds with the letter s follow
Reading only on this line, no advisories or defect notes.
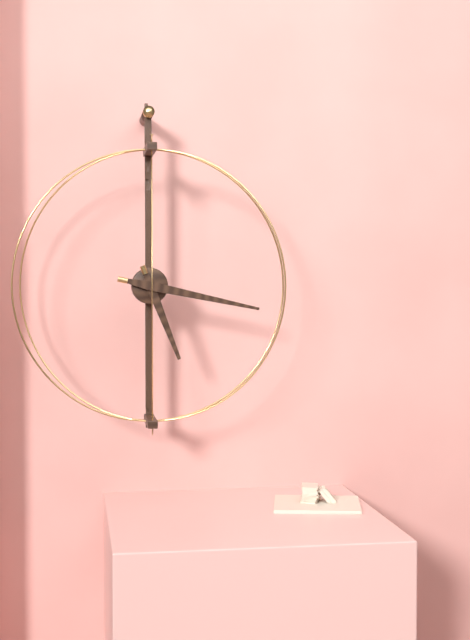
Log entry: 5h17
